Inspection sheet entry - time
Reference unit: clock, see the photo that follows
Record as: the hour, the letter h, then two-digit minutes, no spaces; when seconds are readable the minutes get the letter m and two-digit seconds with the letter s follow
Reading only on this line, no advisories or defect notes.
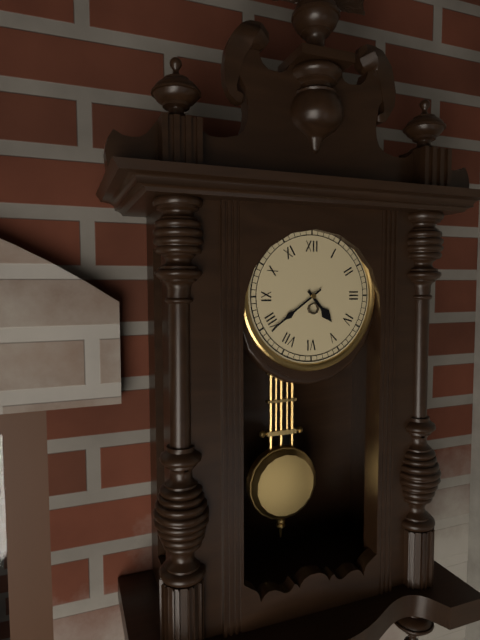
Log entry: 4h39
